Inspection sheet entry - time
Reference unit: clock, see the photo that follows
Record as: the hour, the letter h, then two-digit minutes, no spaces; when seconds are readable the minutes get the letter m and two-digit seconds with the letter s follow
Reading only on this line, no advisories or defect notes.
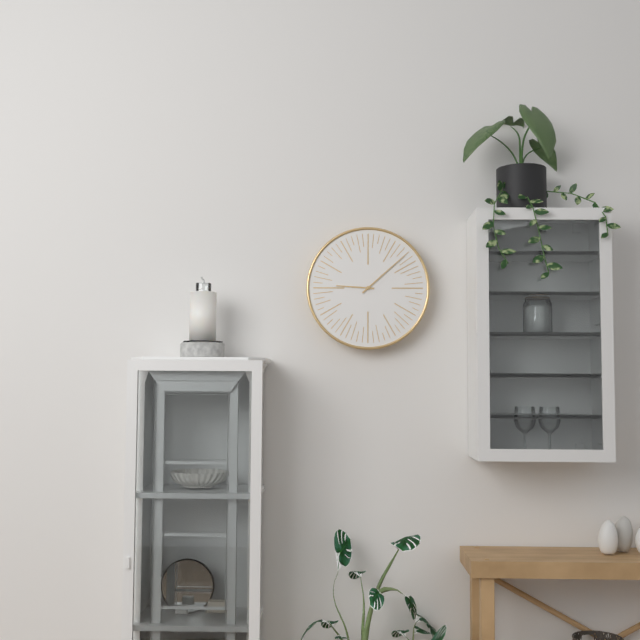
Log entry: 9h08
